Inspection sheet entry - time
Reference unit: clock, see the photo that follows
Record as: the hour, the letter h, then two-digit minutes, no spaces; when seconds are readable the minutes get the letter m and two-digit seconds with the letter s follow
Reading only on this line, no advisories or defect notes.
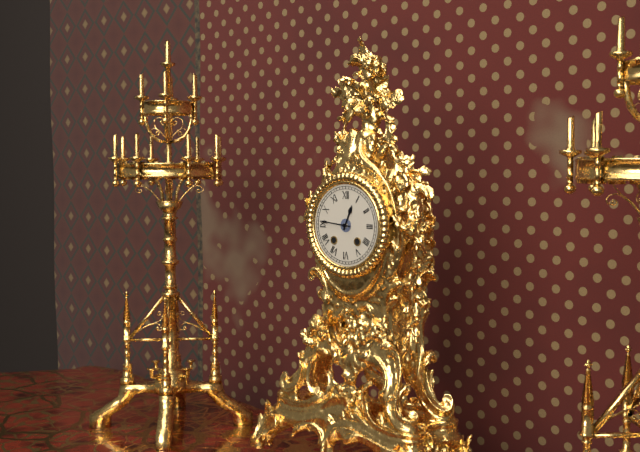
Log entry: 12h46
